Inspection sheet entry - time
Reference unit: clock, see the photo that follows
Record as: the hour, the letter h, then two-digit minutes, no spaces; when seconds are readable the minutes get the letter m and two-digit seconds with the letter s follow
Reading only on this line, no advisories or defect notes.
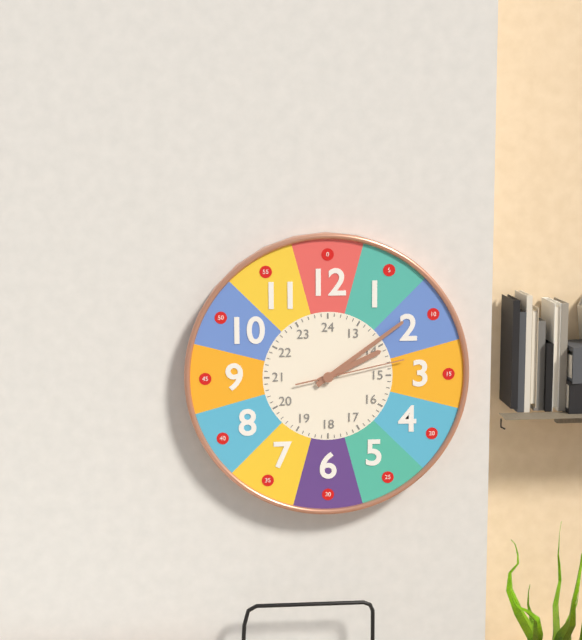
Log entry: 2h09m13s
